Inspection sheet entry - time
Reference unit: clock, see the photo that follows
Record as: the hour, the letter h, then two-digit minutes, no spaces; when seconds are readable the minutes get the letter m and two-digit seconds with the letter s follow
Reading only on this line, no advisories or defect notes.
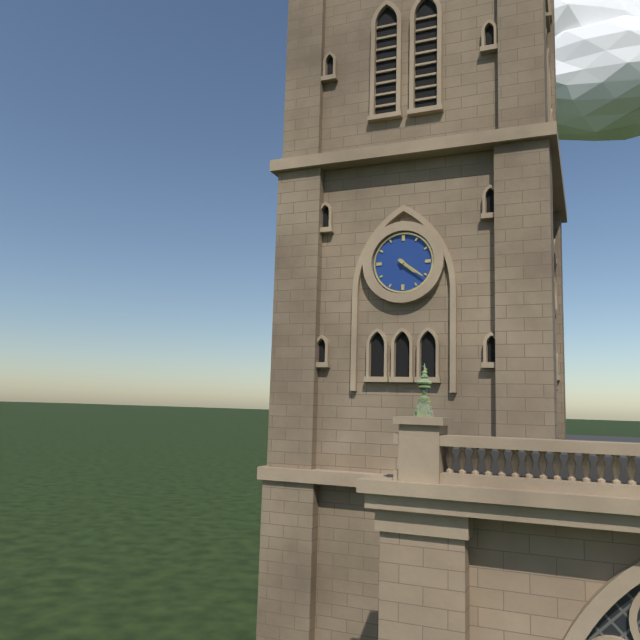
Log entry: 4h21
